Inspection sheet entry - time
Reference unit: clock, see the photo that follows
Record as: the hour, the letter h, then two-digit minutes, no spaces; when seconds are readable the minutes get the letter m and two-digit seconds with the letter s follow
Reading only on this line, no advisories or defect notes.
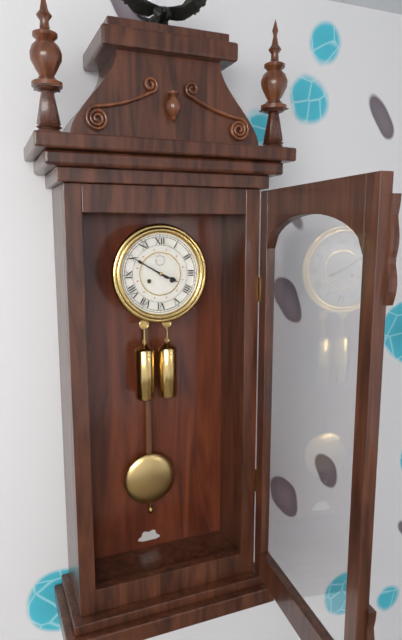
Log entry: 3h50
